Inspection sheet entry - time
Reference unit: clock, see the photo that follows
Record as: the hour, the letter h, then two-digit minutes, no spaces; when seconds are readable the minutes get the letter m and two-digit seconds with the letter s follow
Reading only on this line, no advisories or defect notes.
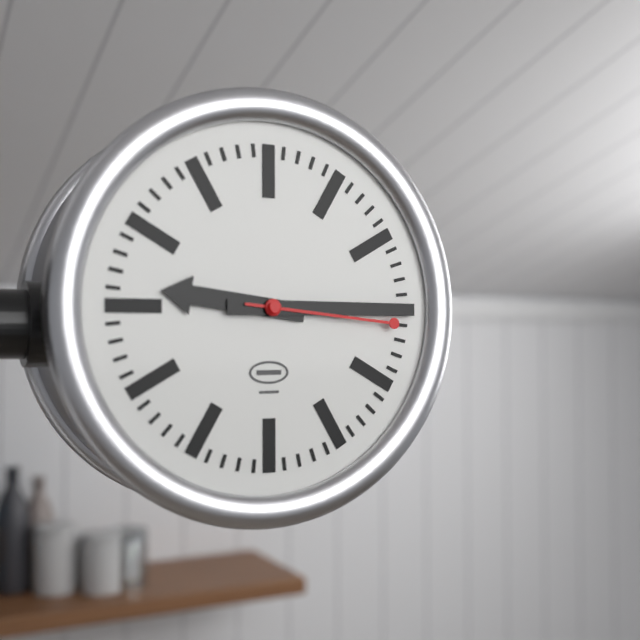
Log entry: 9h15m16s
